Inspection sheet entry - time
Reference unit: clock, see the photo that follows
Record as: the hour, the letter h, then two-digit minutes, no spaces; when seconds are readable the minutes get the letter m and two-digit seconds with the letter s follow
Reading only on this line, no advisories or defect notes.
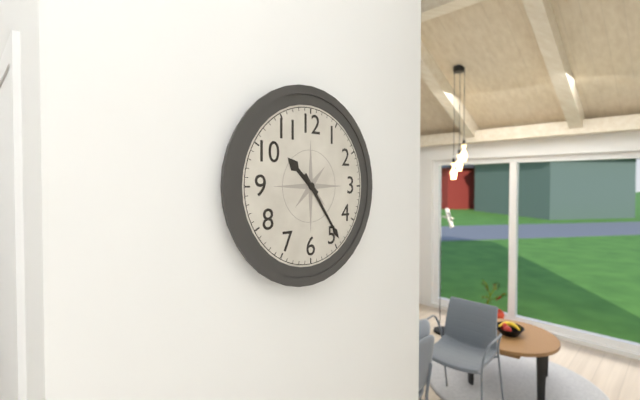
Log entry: 10h24
